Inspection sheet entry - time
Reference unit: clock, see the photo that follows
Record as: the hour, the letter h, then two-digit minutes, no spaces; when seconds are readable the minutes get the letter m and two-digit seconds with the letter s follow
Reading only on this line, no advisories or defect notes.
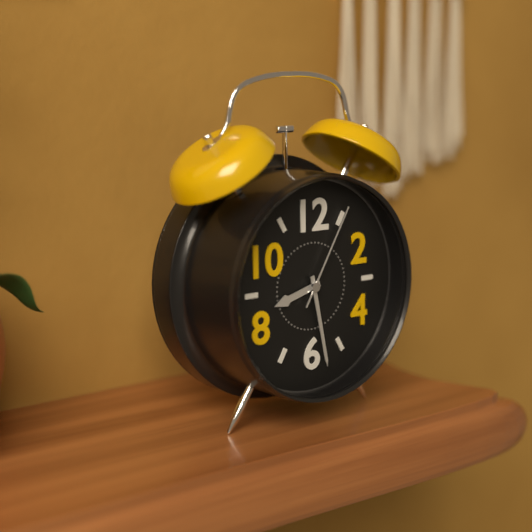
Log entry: 8h28m05s
